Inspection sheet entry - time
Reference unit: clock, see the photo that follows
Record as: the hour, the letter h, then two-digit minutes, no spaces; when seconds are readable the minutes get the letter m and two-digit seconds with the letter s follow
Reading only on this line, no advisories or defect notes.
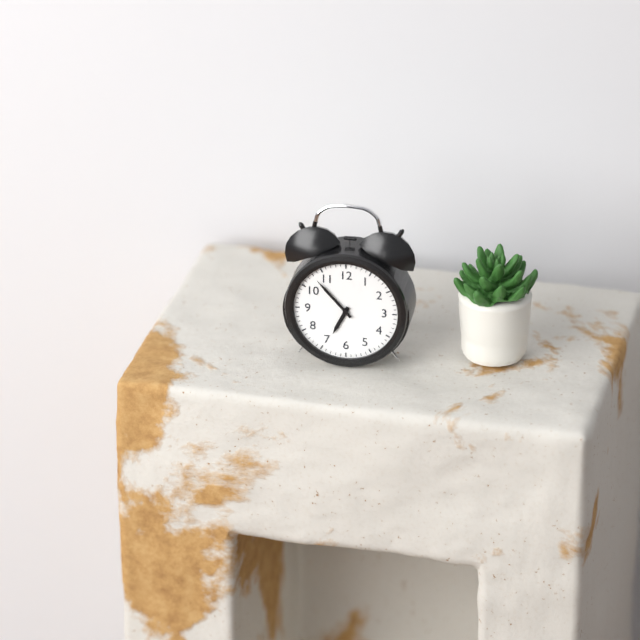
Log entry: 6h53
